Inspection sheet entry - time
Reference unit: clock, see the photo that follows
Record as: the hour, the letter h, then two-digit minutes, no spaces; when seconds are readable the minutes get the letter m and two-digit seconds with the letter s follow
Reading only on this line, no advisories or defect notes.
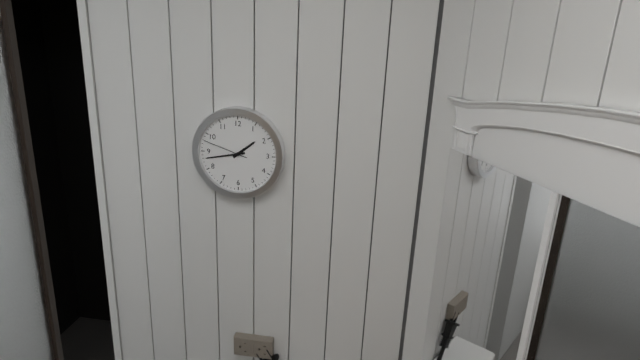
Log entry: 1h43
